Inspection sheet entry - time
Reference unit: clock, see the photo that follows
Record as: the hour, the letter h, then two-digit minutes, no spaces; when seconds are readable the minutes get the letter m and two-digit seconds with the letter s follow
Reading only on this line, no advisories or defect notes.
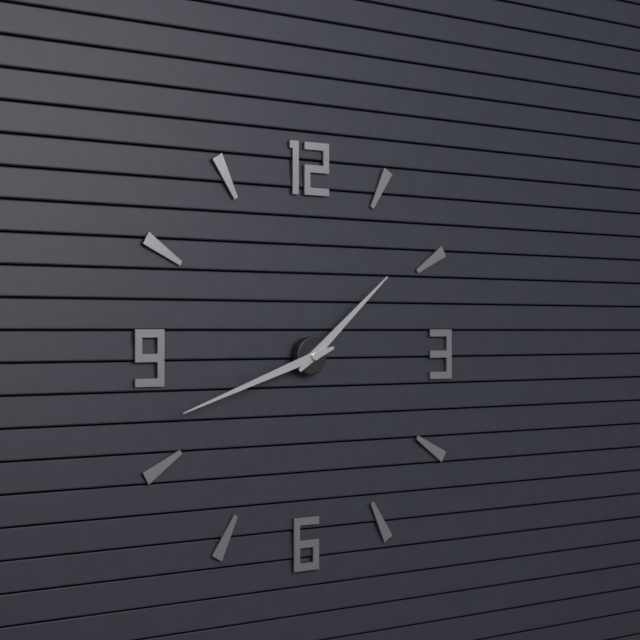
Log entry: 1h42
